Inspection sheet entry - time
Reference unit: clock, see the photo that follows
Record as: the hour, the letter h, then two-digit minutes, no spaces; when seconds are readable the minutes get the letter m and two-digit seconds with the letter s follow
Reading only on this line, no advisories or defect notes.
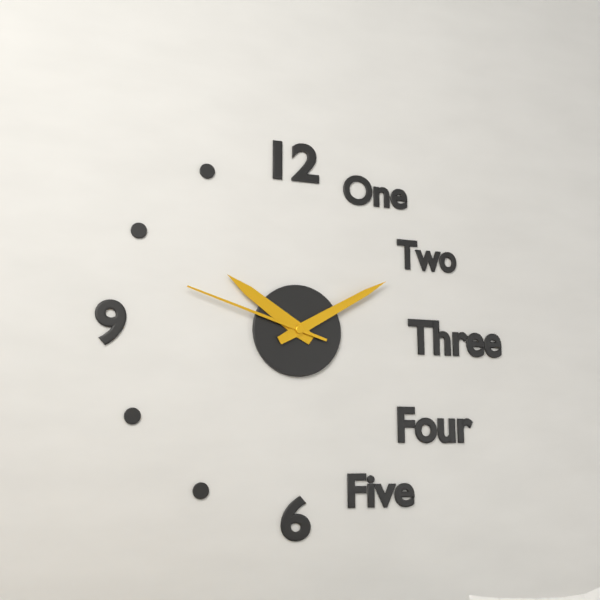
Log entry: 10h10m48s
